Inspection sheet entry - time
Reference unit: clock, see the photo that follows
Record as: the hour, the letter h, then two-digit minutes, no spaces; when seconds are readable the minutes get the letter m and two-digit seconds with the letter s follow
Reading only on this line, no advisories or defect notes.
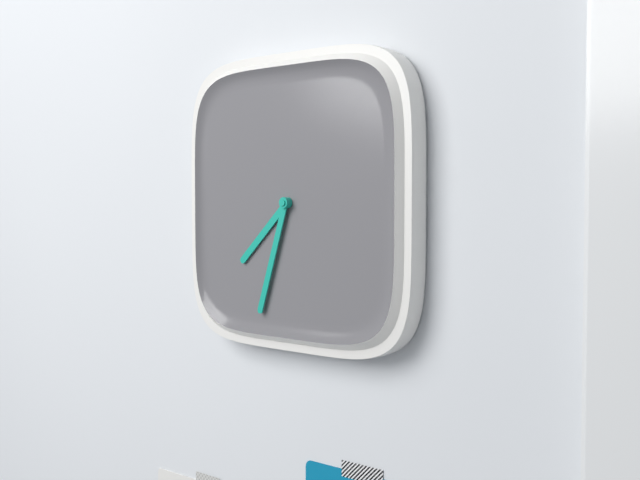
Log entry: 7h33
